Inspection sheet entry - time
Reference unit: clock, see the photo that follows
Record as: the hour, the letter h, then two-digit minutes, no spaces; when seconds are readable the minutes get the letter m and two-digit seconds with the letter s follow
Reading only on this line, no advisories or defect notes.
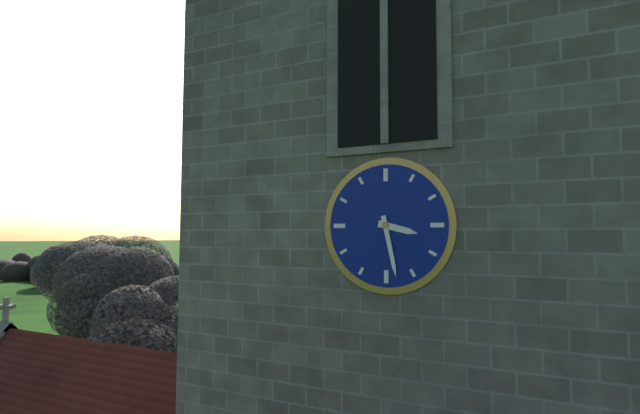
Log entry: 3h28
